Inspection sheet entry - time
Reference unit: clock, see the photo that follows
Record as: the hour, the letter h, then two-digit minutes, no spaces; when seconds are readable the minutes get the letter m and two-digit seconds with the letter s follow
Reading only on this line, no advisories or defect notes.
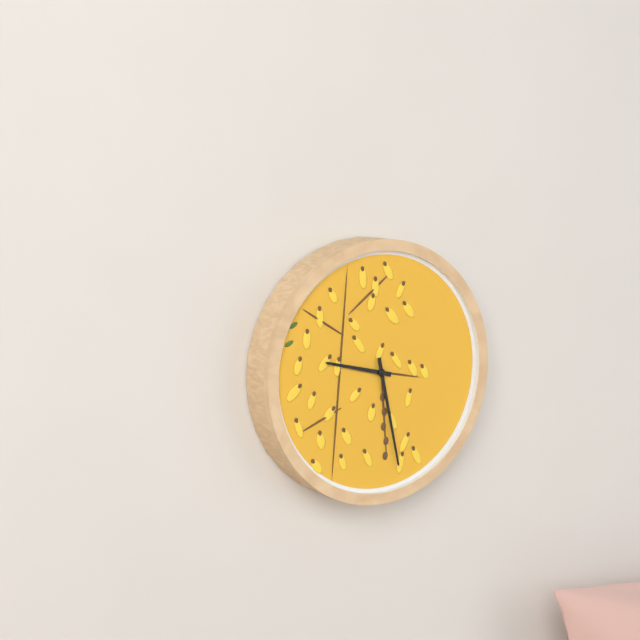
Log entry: 9h28
